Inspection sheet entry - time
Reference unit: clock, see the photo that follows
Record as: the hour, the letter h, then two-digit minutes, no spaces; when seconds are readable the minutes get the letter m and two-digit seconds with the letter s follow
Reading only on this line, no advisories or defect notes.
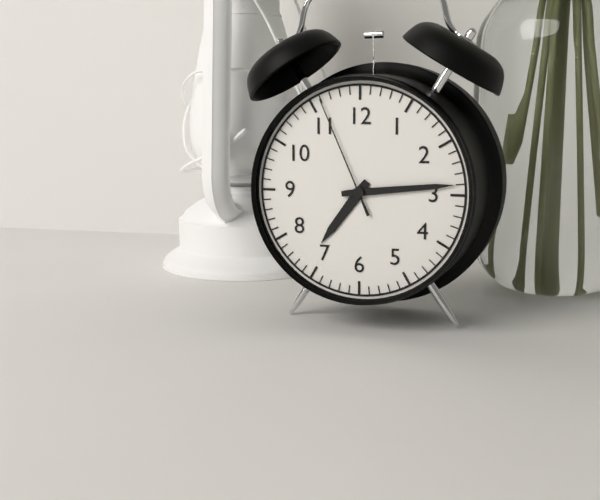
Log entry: 7h14m56s
